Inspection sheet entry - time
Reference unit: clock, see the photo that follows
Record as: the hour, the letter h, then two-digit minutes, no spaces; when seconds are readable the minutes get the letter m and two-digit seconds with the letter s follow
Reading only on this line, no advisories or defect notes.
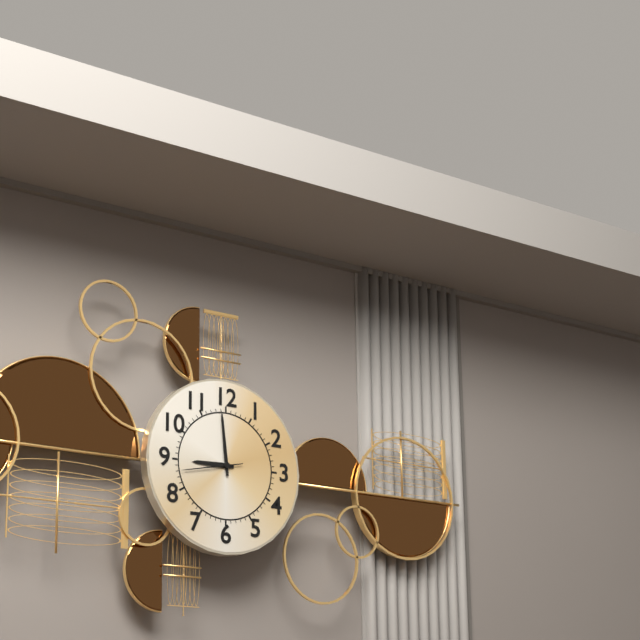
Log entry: 8h59m43s
